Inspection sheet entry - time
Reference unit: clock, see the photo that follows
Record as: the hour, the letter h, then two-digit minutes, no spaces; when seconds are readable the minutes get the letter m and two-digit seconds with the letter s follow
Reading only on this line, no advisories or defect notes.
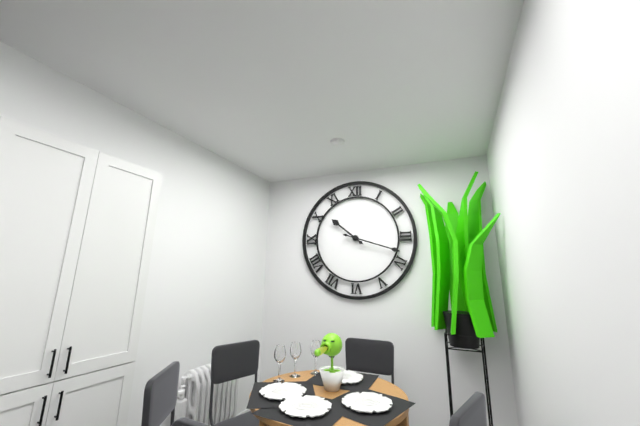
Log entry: 10h18
